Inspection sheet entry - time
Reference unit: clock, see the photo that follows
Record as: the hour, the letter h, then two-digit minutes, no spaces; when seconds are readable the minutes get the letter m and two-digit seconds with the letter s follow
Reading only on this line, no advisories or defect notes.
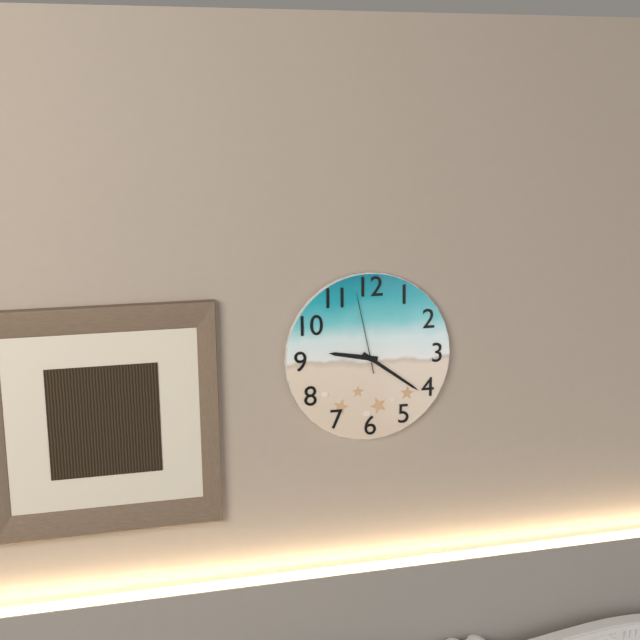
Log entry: 9h21m58s
